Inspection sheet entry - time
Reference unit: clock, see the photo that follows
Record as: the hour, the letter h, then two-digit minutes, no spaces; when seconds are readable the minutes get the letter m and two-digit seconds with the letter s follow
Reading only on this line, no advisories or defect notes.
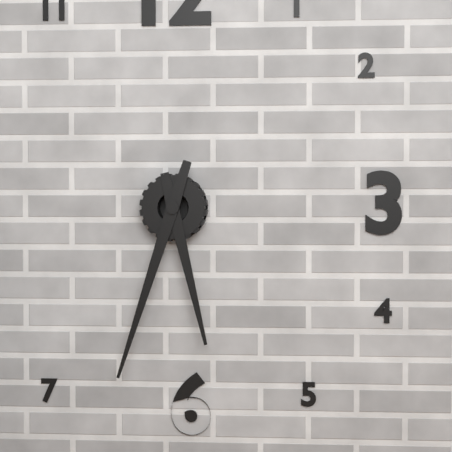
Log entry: 5h33
